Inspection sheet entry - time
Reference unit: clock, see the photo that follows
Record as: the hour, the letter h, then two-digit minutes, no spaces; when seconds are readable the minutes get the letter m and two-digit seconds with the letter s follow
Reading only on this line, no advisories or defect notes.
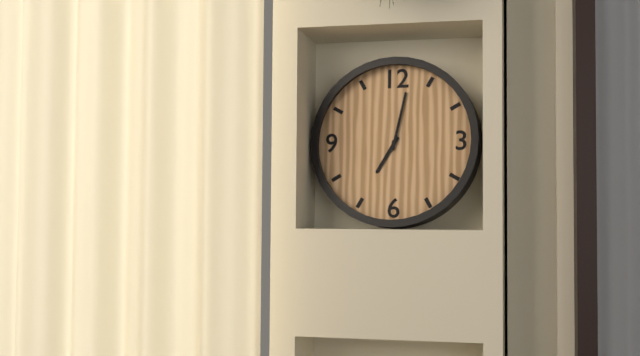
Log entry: 7h02
